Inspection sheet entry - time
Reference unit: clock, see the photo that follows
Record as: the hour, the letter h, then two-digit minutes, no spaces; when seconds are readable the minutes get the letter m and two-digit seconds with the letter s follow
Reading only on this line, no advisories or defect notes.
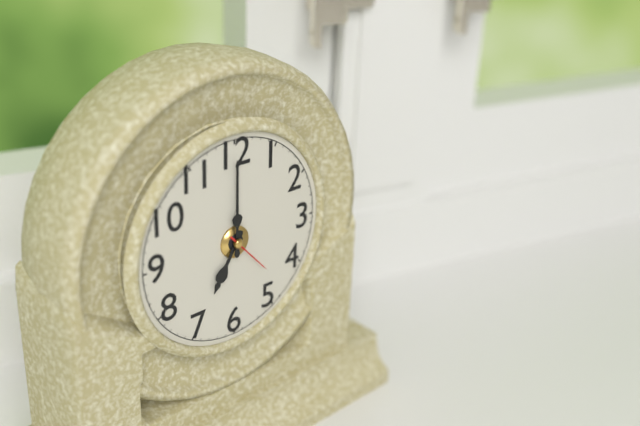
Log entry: 7h00
